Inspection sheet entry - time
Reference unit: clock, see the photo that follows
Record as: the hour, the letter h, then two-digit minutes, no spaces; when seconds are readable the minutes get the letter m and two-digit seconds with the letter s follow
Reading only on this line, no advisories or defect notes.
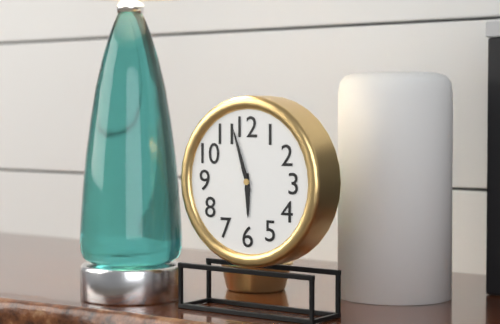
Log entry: 5h57
